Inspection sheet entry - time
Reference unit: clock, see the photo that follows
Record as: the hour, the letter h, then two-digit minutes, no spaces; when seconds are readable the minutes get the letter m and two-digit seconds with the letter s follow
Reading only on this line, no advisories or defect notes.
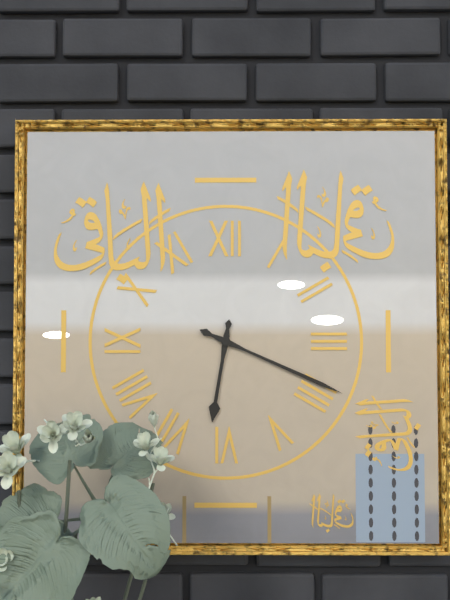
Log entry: 6h19
